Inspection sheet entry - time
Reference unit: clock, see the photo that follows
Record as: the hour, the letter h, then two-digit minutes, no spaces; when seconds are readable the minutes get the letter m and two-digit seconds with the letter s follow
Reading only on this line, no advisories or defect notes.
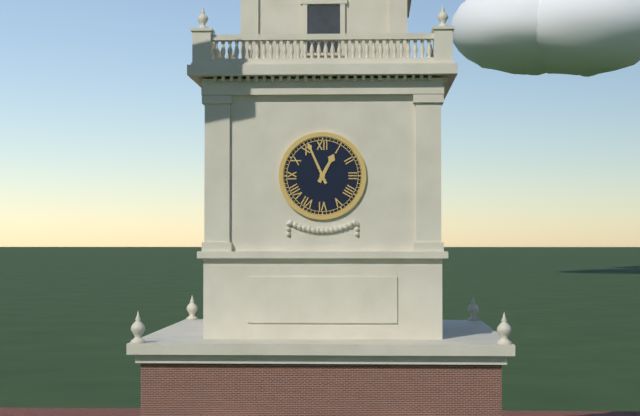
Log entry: 12h56
